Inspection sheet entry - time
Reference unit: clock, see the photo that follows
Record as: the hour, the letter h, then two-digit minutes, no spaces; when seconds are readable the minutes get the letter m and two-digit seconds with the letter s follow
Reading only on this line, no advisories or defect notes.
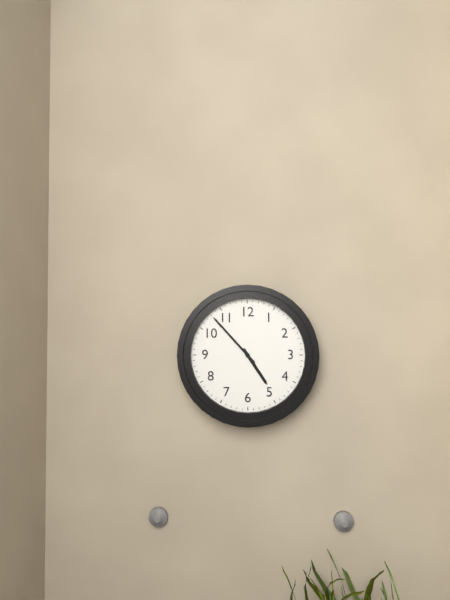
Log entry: 4h53
